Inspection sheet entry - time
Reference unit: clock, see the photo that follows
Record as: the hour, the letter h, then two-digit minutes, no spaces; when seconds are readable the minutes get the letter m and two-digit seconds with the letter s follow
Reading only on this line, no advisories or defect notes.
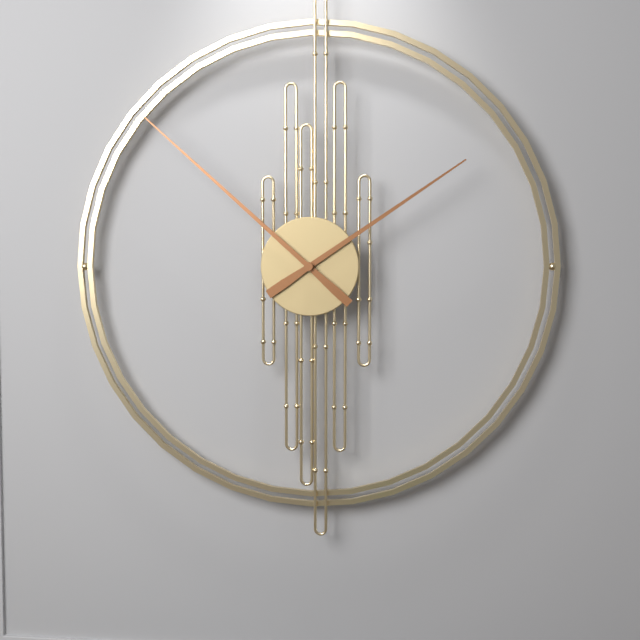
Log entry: 1h52
